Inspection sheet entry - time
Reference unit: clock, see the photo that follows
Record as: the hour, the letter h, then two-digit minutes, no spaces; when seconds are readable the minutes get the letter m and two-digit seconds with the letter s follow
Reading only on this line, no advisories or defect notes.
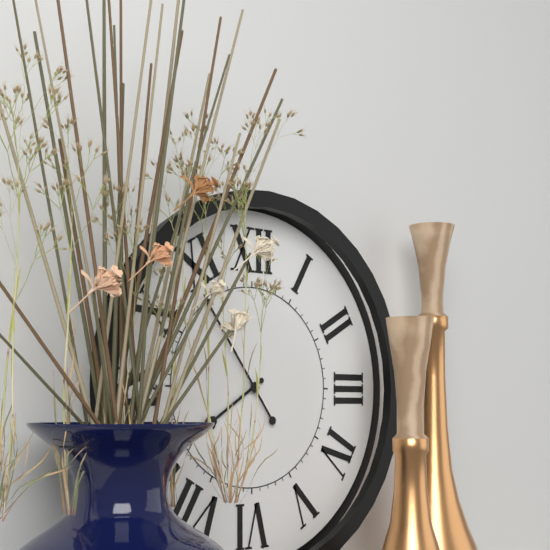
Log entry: 7h54
